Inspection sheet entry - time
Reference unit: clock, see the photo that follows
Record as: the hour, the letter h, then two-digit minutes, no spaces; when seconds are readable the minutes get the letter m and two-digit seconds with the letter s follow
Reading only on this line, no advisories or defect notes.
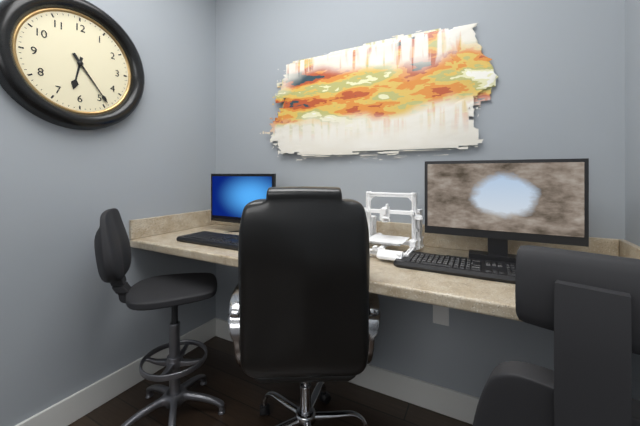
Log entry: 6h24
